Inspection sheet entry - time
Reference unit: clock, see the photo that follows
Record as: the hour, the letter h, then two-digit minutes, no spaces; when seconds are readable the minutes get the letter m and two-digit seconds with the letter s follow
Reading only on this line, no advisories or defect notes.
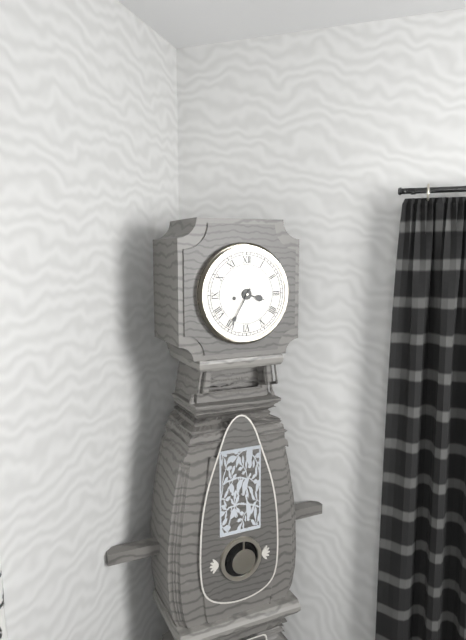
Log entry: 3h35
